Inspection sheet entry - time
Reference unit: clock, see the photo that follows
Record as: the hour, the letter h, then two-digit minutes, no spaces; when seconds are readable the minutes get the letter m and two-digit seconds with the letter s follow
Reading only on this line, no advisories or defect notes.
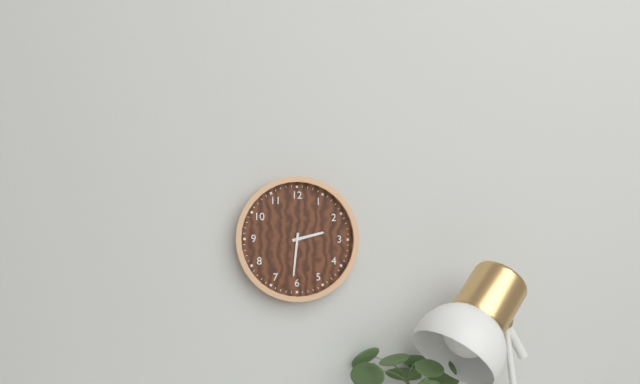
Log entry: 2h31
